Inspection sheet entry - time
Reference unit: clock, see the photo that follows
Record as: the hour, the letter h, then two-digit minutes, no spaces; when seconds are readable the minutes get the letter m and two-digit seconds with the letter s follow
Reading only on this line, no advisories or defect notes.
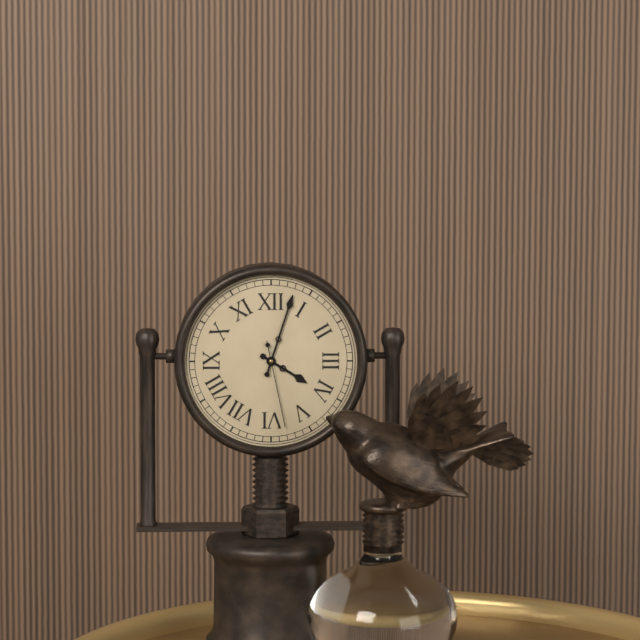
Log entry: 4h03m28s
